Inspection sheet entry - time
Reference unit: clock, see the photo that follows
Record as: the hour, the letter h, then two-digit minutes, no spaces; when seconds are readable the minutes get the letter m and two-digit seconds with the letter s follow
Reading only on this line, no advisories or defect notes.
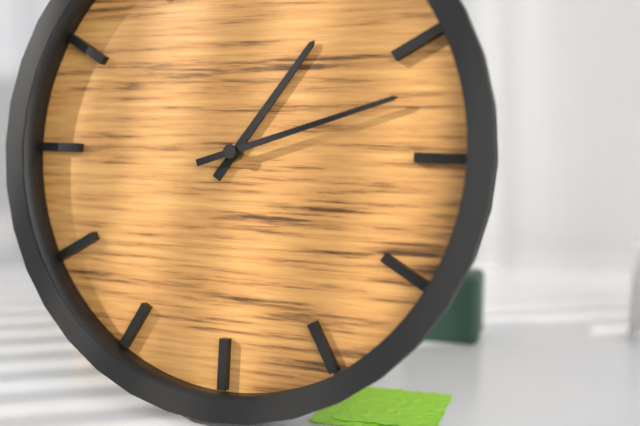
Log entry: 1h12
